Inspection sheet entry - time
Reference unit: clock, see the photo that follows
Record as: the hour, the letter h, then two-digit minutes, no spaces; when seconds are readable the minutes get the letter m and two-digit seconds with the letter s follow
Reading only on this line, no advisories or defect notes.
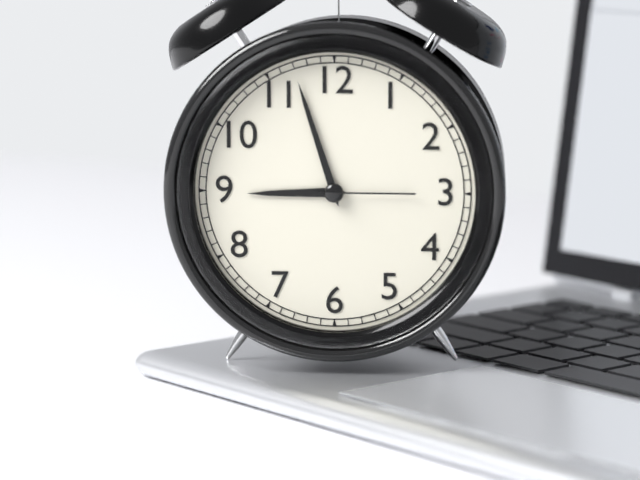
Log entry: 8h57m15s
